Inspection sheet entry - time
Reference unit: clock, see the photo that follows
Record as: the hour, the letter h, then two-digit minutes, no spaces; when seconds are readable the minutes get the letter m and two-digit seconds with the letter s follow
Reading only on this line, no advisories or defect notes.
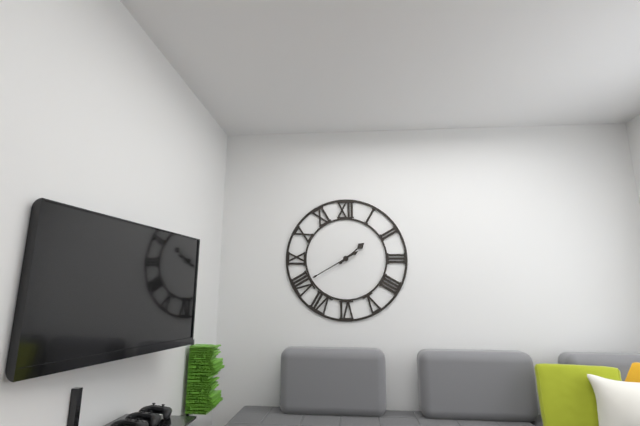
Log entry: 1h40
